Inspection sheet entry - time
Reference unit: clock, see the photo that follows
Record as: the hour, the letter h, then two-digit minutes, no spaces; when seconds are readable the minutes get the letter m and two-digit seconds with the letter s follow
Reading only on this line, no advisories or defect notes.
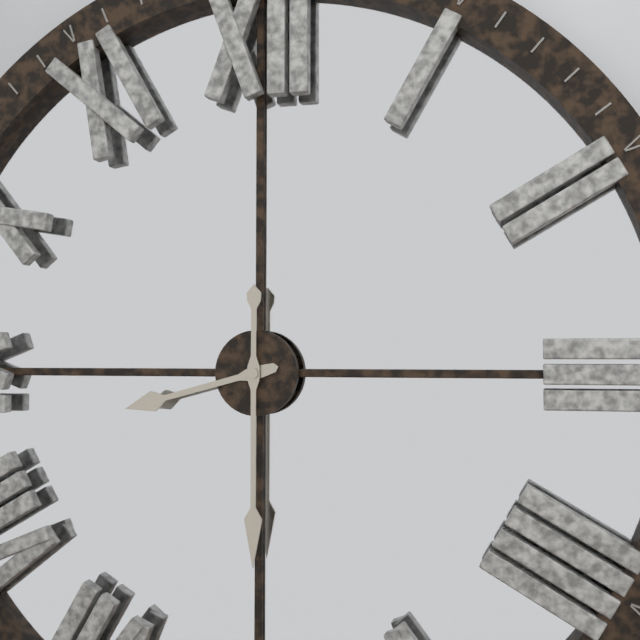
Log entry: 8h30
